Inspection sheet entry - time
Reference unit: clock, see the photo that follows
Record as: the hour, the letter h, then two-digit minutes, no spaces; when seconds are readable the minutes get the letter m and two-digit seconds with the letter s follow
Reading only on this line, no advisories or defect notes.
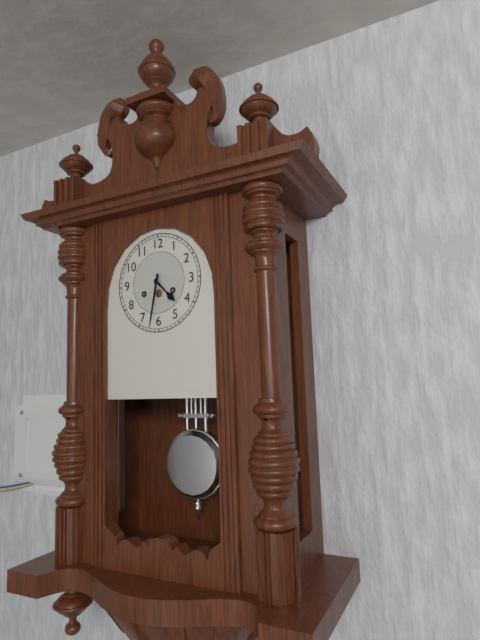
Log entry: 4h32
